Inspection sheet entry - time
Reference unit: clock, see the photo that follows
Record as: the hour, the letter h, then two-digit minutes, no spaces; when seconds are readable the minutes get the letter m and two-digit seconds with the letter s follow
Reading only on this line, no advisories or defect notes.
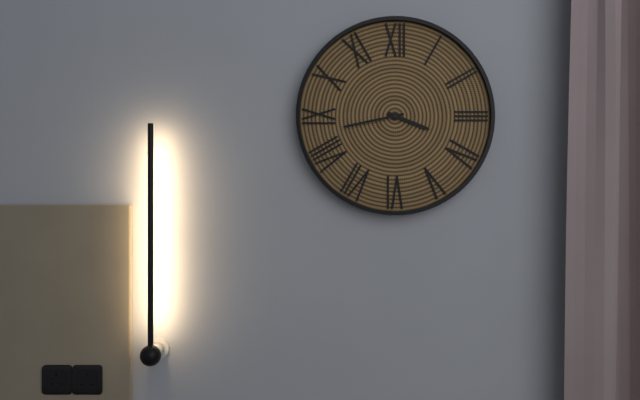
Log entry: 3h43
